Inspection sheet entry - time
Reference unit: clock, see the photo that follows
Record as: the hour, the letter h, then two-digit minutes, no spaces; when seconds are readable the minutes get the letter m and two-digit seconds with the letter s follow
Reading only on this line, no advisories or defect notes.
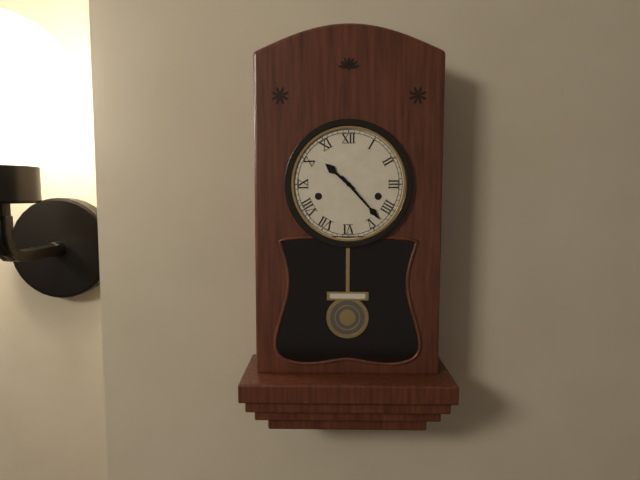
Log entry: 10h23
